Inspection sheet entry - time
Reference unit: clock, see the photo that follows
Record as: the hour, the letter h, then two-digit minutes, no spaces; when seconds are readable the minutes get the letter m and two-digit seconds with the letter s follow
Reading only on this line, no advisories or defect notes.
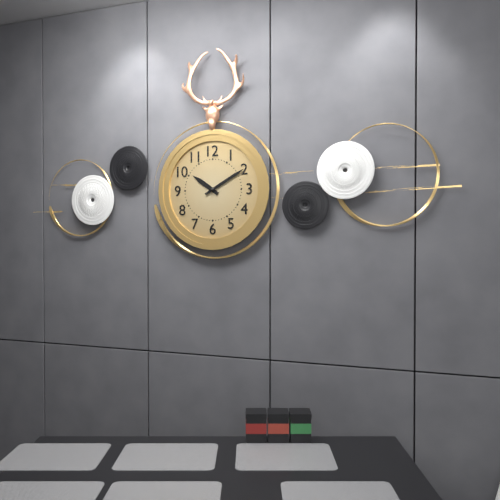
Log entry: 10h10
